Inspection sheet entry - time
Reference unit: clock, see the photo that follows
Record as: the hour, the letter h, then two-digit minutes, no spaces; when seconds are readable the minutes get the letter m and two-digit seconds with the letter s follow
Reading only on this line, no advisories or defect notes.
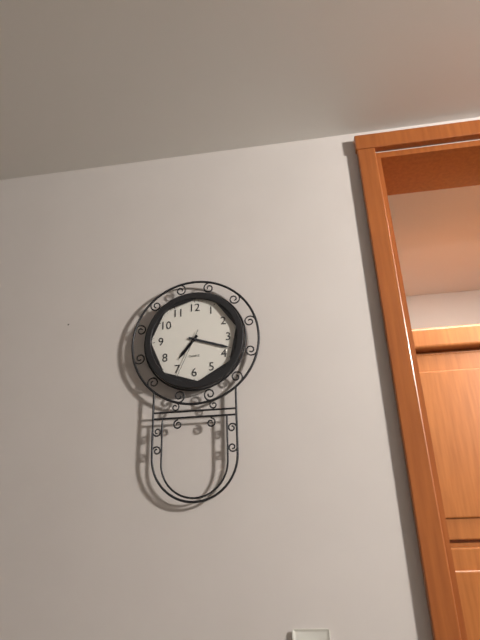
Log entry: 7h18m34s
